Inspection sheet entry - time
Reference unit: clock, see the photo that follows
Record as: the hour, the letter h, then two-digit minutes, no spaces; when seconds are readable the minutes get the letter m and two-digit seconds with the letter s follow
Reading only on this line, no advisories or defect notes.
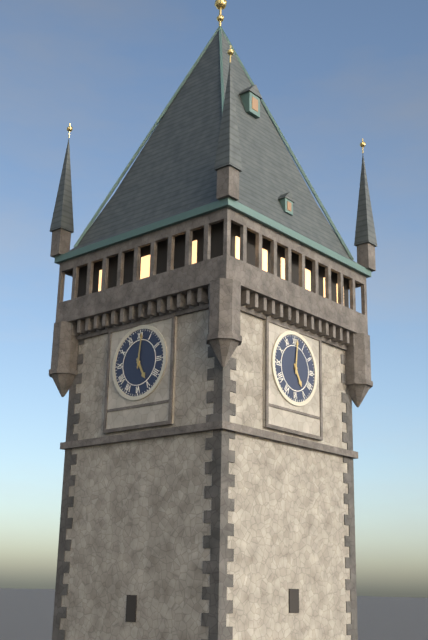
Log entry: 5h01
